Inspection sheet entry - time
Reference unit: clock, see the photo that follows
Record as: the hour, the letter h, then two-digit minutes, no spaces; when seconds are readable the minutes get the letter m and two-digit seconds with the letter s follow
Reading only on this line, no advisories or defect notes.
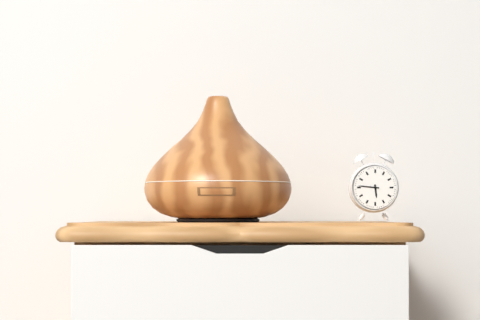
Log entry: 5h46
